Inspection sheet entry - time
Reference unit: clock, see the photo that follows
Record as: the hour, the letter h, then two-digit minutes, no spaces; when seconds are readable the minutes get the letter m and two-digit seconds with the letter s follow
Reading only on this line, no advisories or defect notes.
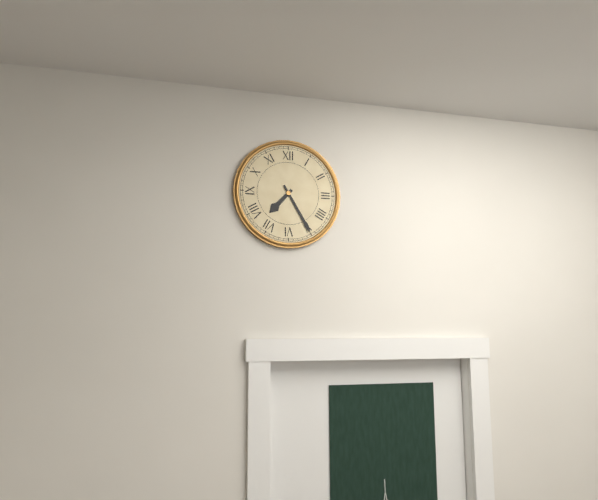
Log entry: 7h25
